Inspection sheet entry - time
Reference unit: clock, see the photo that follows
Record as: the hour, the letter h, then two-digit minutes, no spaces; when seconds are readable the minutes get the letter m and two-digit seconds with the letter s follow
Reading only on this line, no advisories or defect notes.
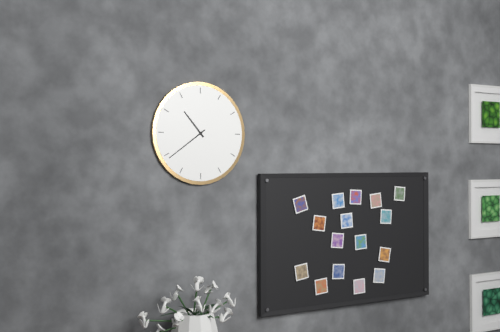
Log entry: 10h39
